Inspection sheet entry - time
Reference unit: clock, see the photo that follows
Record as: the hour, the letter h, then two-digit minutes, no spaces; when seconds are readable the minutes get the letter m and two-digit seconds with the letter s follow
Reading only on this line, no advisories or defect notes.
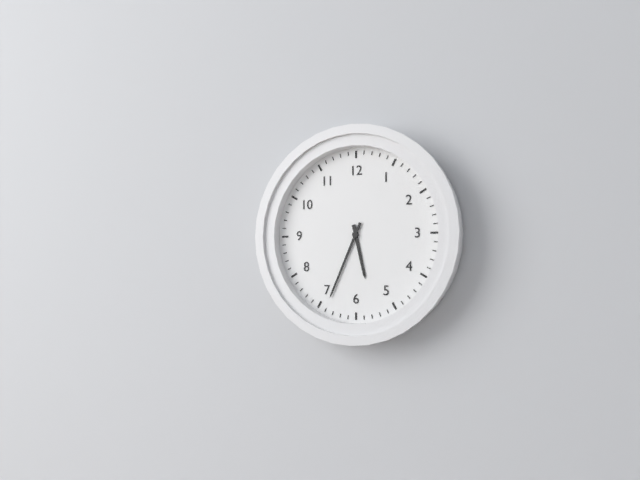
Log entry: 5h34
